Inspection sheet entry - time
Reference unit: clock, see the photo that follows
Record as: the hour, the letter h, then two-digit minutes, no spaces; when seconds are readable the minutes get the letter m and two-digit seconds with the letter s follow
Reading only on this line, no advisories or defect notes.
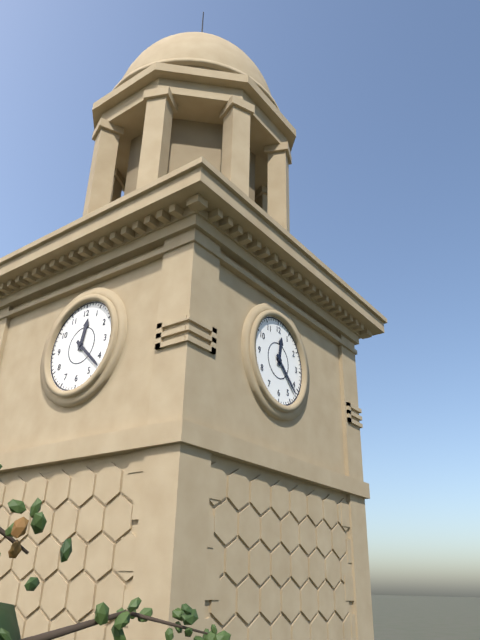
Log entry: 12h22
